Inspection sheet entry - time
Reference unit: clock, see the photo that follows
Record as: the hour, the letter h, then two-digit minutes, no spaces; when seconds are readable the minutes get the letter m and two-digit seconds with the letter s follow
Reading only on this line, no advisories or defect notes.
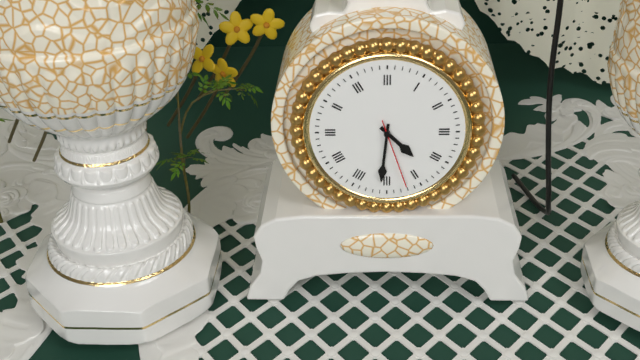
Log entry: 4h31m27s
